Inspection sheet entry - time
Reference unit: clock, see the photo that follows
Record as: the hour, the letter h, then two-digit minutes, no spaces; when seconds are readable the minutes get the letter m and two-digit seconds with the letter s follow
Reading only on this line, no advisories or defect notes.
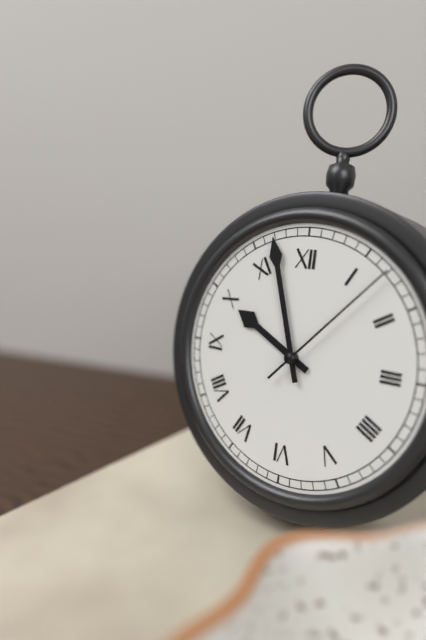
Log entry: 9h57m07s
